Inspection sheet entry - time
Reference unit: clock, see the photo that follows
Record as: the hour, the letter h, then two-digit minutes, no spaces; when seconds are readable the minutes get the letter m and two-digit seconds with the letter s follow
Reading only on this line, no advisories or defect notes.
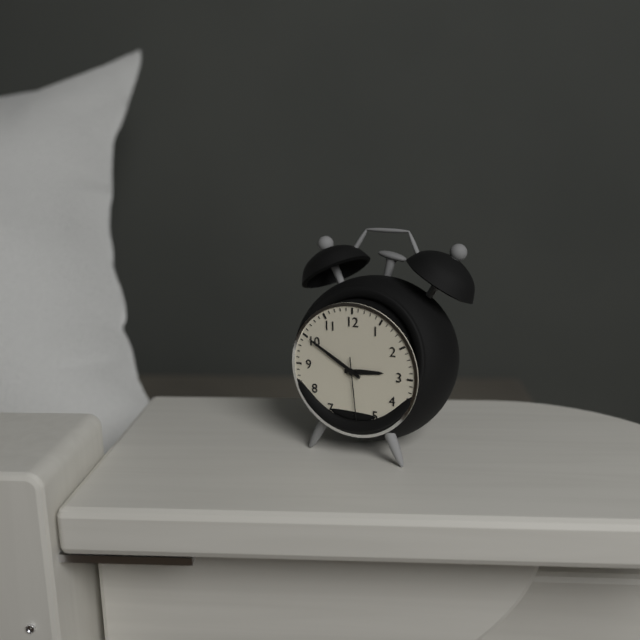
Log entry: 2h50m29s
